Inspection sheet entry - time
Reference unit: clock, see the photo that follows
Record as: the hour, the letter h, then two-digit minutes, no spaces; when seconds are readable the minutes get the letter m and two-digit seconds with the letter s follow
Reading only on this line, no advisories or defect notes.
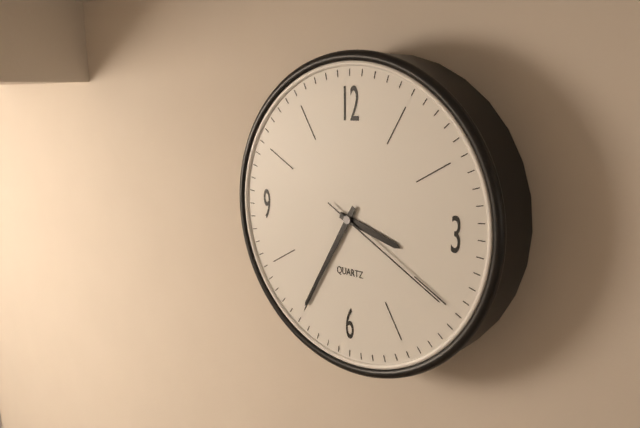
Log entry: 3h35m20s
